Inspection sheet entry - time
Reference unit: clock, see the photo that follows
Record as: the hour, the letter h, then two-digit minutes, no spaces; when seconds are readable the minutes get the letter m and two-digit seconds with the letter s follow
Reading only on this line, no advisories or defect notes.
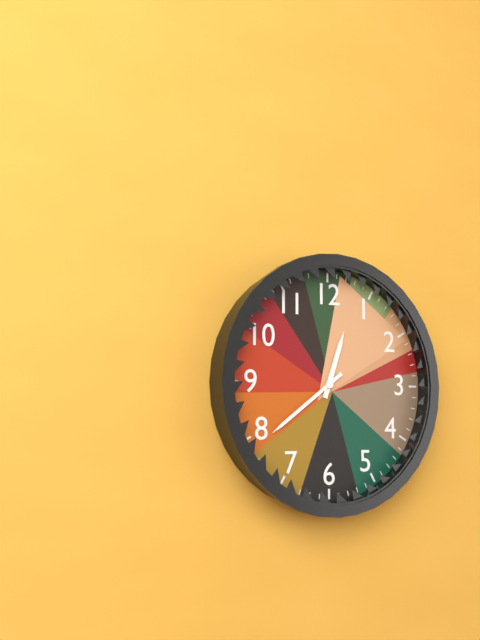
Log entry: 12h39
